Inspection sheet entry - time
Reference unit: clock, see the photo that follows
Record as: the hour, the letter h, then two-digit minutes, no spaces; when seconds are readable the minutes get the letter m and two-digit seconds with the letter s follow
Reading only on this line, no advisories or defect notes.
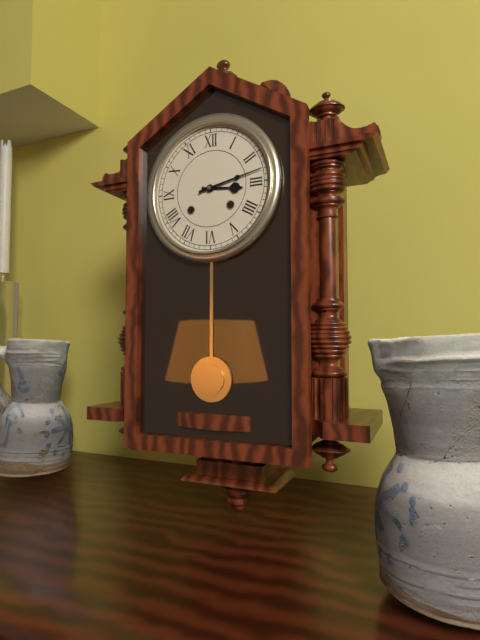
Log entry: 3h13
